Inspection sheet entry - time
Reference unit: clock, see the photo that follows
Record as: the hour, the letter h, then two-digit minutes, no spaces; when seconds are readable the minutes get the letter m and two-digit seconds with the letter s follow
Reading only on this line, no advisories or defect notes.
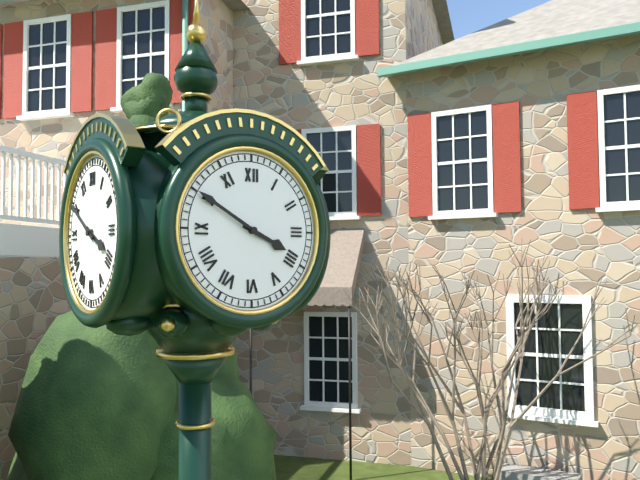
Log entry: 3h50
